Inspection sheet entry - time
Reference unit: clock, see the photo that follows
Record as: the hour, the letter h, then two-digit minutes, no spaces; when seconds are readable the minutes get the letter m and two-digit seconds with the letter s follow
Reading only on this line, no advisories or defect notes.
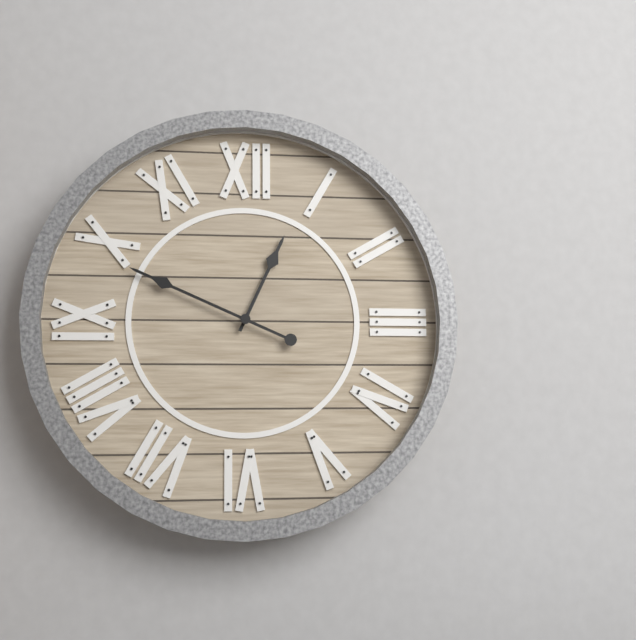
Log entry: 12h49
